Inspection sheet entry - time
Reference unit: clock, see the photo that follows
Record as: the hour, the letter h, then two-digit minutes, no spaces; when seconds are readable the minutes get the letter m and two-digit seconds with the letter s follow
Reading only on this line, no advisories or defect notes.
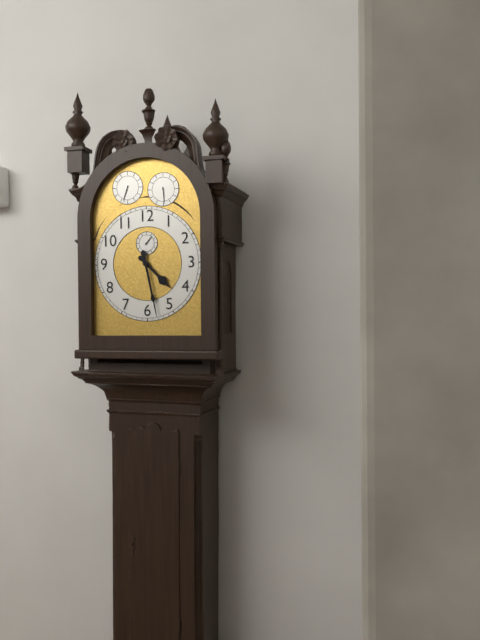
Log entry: 4h28
